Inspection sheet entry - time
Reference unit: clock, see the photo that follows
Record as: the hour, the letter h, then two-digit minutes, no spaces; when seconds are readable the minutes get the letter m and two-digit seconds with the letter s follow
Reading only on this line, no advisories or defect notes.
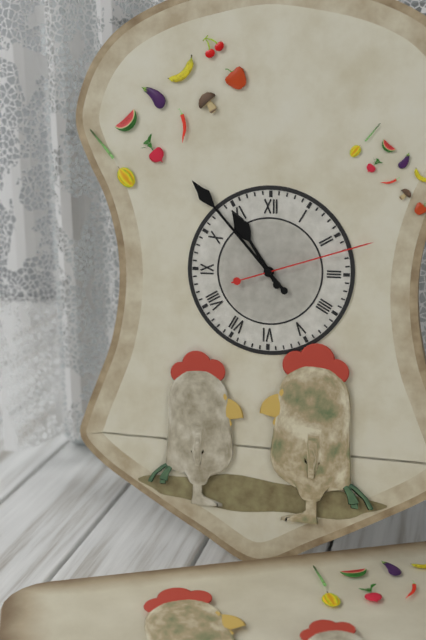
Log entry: 10h53m12s
